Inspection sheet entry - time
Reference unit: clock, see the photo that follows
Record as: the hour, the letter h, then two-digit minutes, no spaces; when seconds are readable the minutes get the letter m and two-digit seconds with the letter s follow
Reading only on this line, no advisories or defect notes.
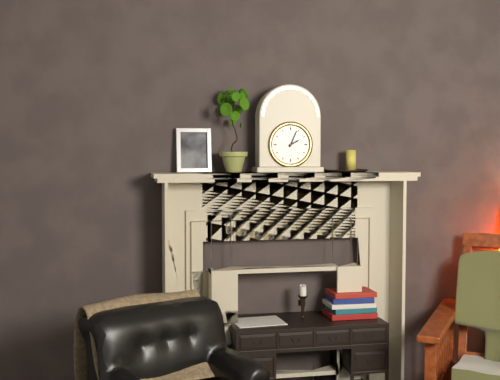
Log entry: 2h04
